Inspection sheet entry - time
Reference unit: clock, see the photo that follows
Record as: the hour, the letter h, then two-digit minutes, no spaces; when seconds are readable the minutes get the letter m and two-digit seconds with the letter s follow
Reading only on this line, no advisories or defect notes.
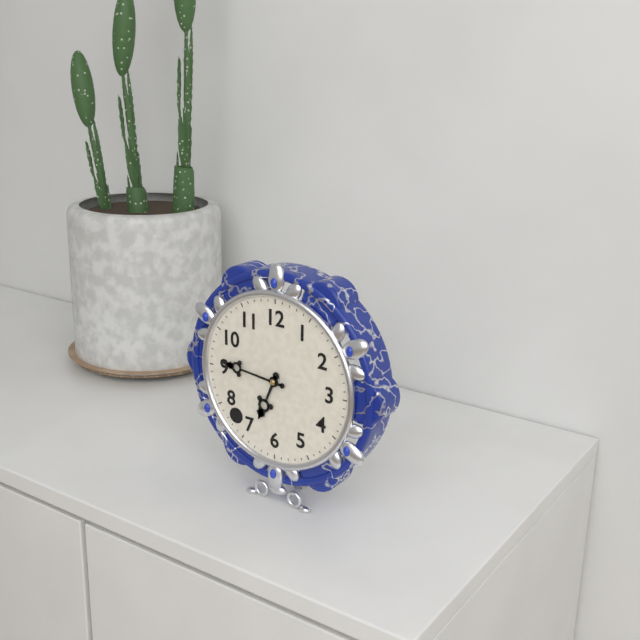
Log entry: 6h46
